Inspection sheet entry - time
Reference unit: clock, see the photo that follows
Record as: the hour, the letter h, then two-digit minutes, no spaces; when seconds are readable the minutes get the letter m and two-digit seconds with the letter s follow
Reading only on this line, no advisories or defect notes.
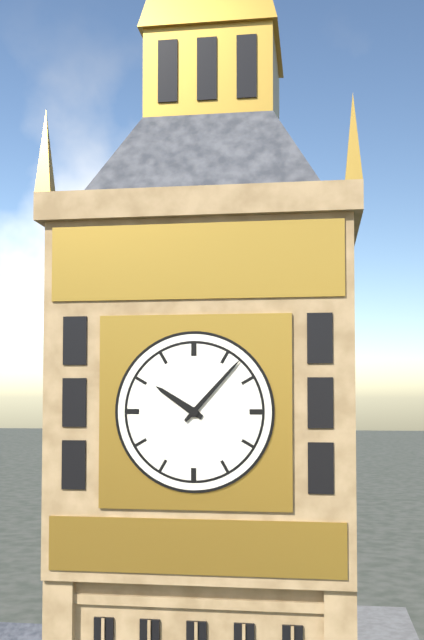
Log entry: 10h07
